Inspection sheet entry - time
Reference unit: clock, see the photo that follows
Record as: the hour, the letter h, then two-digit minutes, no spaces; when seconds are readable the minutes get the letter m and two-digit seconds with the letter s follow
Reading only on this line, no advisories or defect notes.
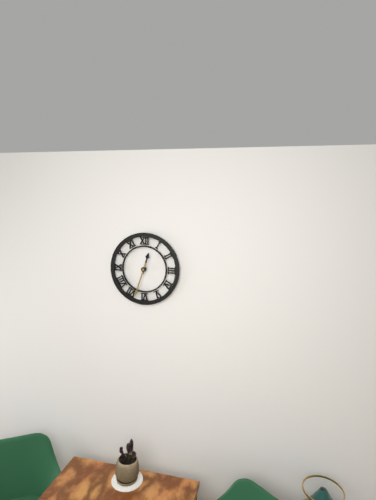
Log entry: 12h33
